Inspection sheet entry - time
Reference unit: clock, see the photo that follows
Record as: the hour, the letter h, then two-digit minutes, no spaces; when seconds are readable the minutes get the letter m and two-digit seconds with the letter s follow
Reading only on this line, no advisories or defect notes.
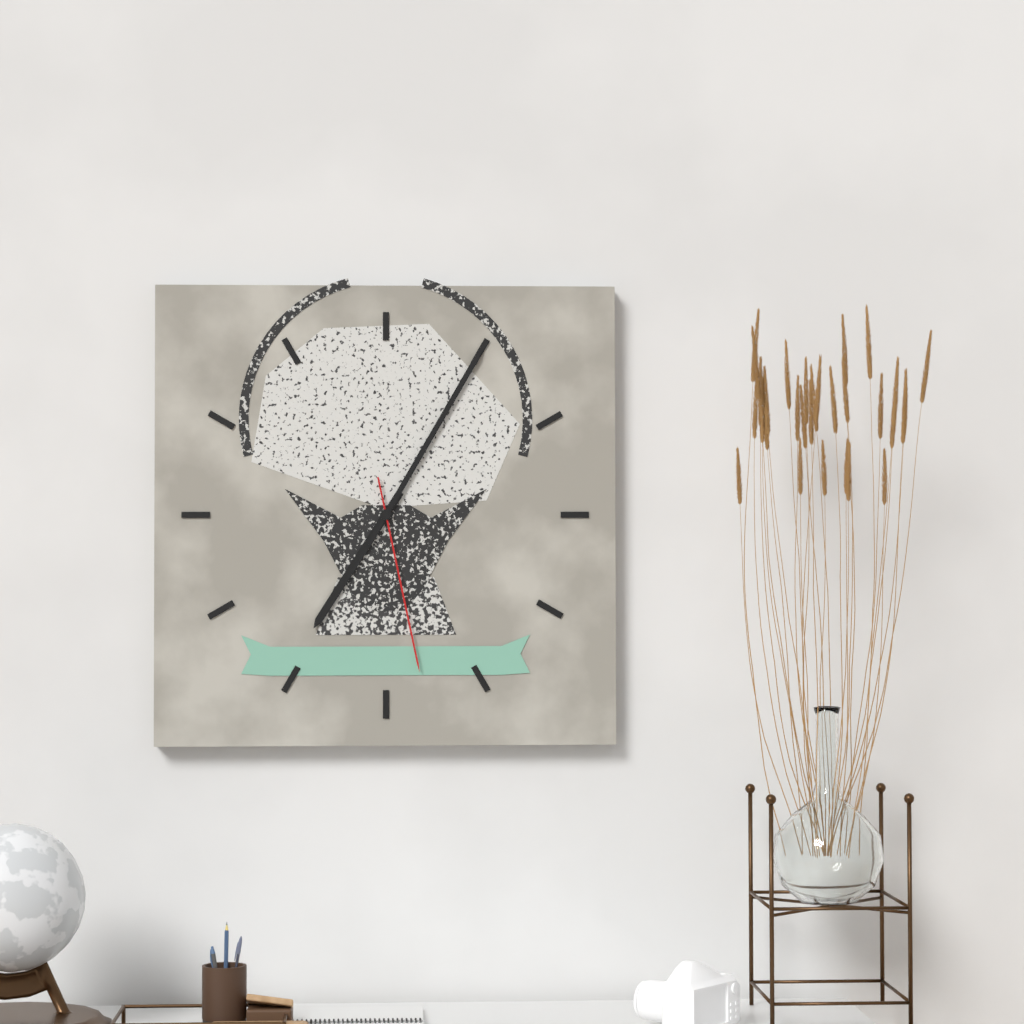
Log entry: 7h05m28s
